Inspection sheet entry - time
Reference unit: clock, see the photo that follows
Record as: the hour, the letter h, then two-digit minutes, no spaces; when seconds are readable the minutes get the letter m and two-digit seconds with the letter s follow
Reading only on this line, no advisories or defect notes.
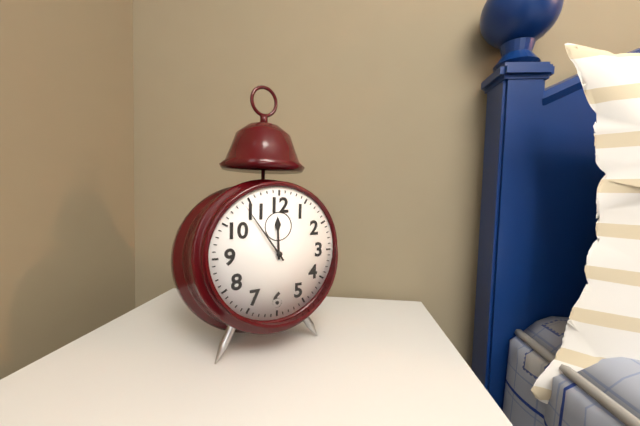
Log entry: 11h54
